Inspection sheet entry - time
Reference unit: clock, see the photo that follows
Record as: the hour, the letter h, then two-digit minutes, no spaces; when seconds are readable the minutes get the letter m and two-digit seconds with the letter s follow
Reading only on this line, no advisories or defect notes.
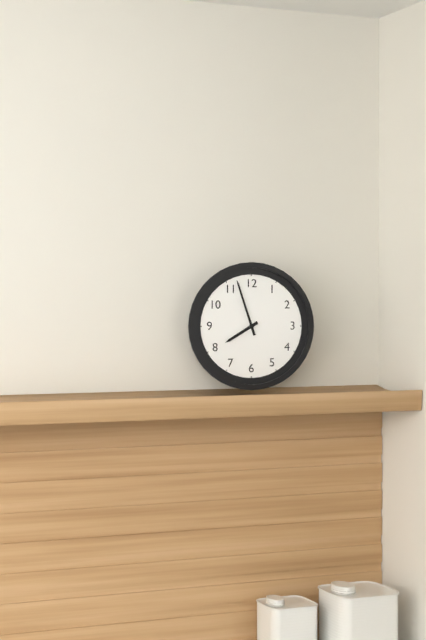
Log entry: 7h57
